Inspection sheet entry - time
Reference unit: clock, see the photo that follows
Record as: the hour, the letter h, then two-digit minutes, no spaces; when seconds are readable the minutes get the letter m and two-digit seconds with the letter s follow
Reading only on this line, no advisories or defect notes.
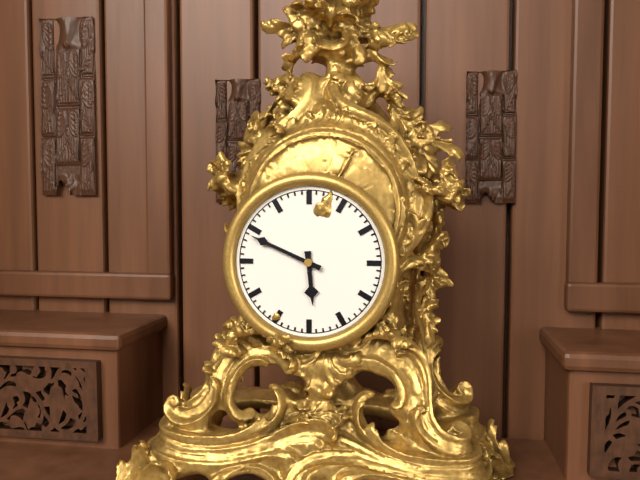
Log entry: 5h49
